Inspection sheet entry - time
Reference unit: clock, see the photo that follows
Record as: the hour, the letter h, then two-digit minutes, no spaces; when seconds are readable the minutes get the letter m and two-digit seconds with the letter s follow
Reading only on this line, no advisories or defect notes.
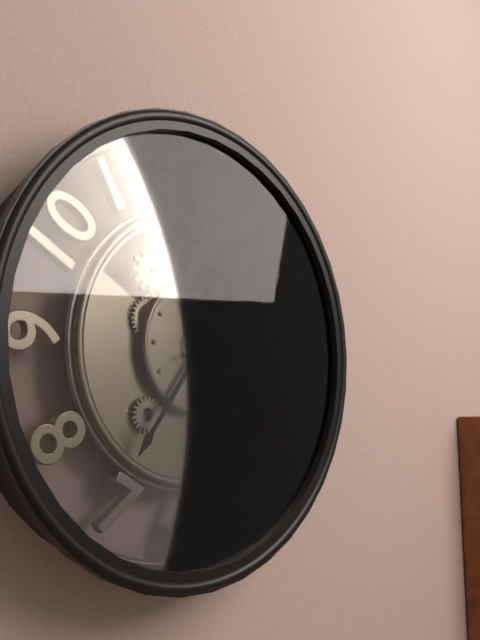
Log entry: 12h36m11s
